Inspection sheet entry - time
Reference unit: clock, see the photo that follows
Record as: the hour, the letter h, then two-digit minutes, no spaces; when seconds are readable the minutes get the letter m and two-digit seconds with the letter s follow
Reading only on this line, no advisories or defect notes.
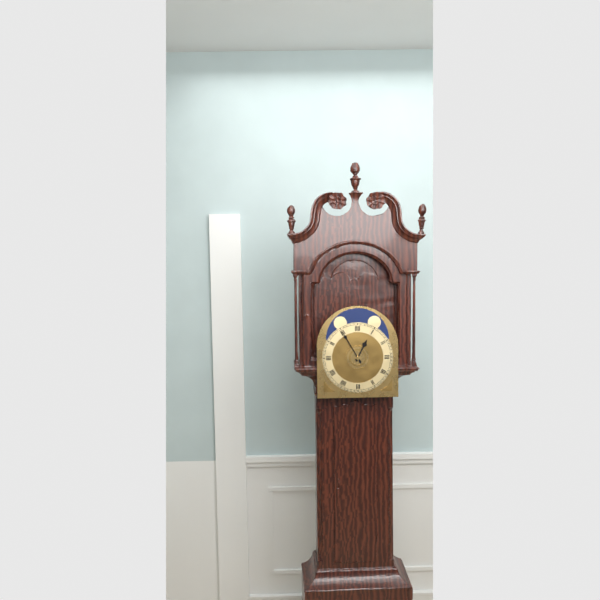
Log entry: 12h55
